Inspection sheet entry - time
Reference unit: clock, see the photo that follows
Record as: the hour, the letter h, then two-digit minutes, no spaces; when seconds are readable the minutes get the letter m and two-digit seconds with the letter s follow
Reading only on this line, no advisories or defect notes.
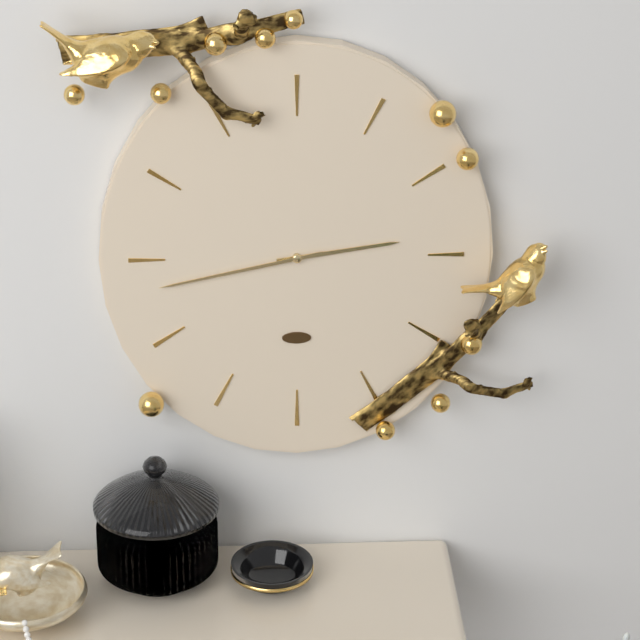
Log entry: 2h43
